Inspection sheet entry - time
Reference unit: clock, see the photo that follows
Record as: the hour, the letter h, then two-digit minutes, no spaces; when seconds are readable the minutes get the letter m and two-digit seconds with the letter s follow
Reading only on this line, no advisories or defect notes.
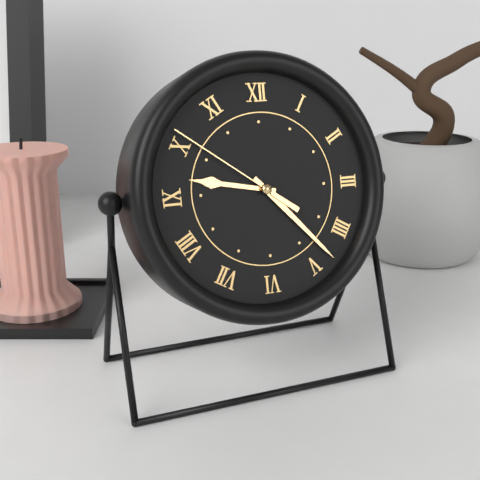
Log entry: 9h23m51s
